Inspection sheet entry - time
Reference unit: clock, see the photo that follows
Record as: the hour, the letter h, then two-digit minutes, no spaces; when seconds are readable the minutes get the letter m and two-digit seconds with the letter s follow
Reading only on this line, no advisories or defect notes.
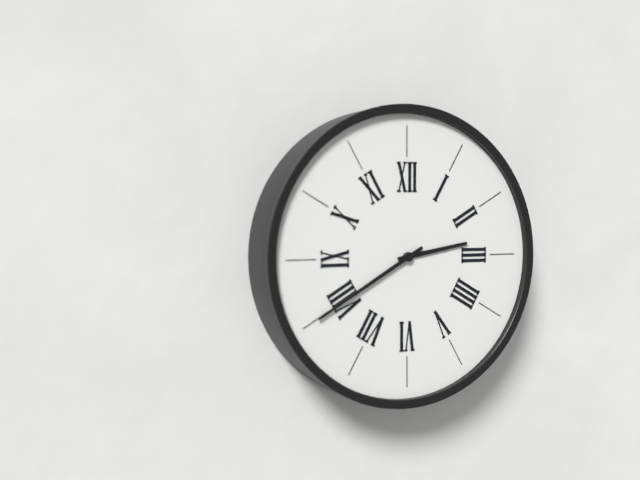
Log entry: 2h40
